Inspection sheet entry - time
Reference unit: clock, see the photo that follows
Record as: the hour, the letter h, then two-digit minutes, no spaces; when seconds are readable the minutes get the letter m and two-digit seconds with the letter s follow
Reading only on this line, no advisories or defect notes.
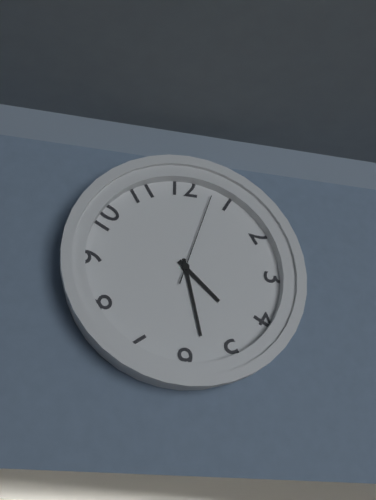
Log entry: 4h28m03s
